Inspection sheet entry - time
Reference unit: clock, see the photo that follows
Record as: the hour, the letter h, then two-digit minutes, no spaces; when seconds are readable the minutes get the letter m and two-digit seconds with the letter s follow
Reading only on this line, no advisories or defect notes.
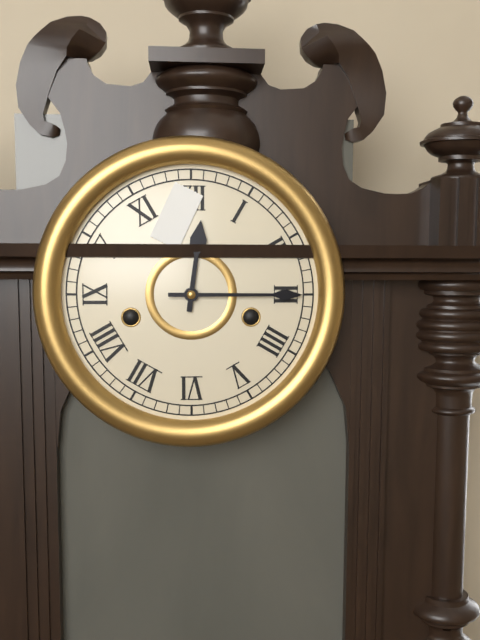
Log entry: 12h15
